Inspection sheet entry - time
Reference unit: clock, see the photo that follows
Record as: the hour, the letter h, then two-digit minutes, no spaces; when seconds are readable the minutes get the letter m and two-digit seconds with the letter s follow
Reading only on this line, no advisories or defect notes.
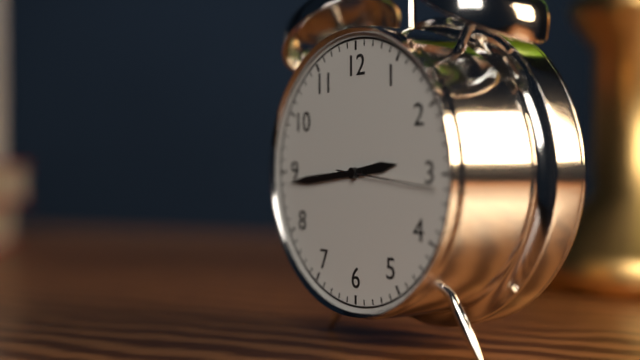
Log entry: 2h44m16s
